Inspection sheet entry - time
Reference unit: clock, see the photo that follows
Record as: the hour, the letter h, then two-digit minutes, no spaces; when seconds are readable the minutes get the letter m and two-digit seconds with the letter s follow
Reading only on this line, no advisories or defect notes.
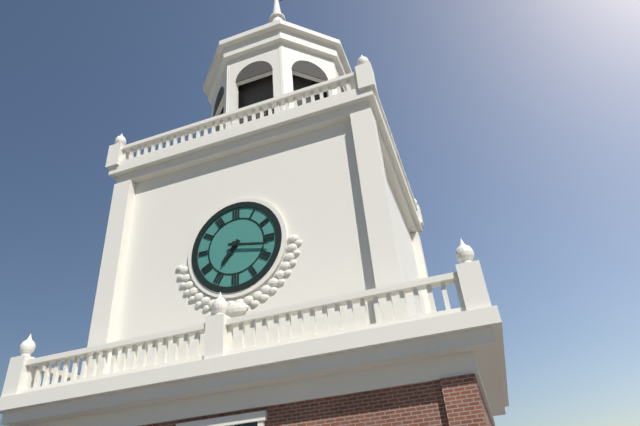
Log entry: 7h17
